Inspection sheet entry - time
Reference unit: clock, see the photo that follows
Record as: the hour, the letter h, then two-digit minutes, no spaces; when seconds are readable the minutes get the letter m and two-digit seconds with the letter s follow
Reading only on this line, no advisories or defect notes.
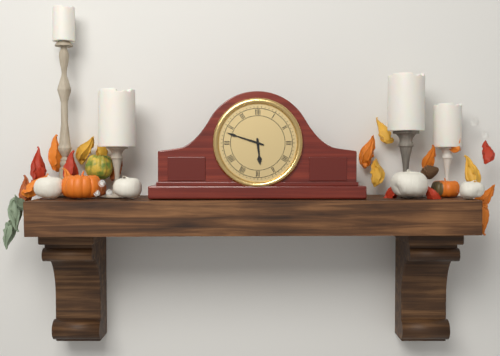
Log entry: 5h48
